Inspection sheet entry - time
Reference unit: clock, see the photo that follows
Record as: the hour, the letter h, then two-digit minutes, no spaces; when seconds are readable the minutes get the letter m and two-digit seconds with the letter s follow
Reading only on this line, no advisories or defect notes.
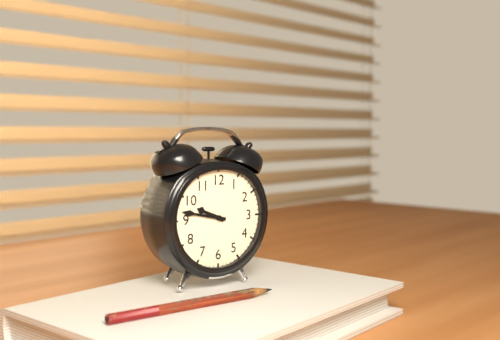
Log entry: 9h47
